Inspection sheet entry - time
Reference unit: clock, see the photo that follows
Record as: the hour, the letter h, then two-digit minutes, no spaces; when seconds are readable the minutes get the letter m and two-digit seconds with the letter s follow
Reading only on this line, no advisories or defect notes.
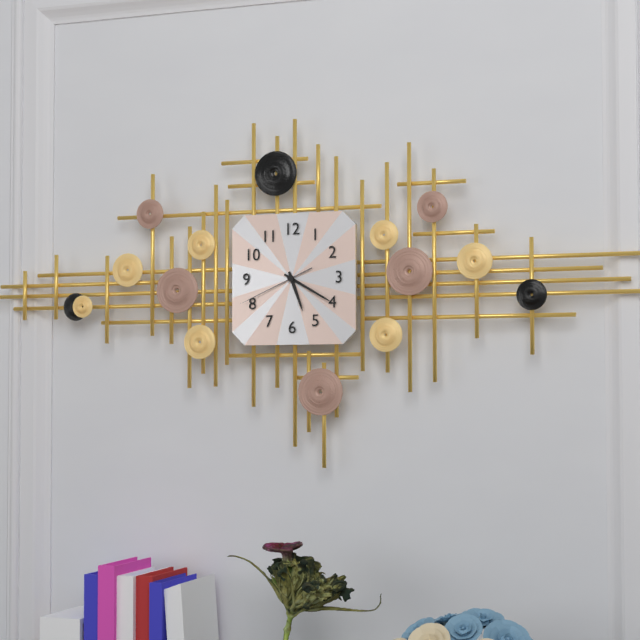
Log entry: 5h20m41s
